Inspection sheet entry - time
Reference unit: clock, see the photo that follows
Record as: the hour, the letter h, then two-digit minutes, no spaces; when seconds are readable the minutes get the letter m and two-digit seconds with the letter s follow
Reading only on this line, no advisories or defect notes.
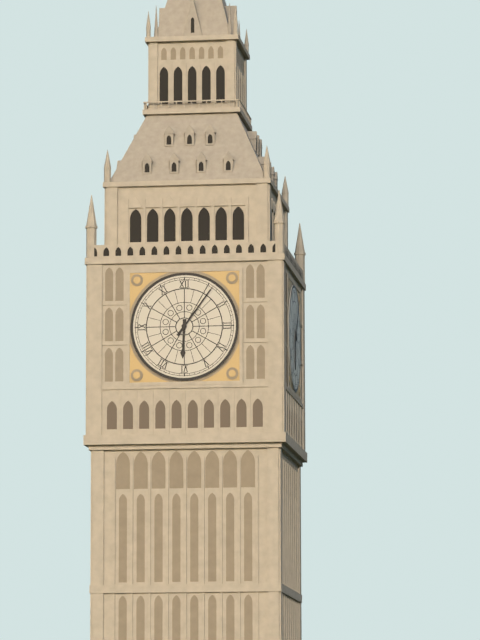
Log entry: 6h06
